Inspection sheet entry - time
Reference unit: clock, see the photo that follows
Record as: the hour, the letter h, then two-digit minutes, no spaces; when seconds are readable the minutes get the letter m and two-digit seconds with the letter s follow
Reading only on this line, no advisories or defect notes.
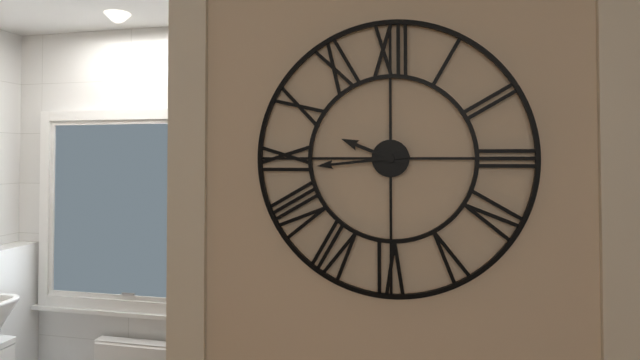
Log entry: 9h44
